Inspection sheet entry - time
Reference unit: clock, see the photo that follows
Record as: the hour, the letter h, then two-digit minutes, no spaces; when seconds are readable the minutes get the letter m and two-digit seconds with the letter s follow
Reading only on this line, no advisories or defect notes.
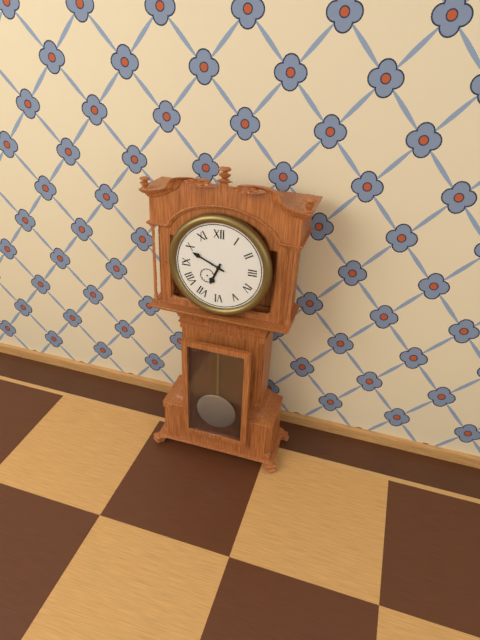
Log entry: 6h49
